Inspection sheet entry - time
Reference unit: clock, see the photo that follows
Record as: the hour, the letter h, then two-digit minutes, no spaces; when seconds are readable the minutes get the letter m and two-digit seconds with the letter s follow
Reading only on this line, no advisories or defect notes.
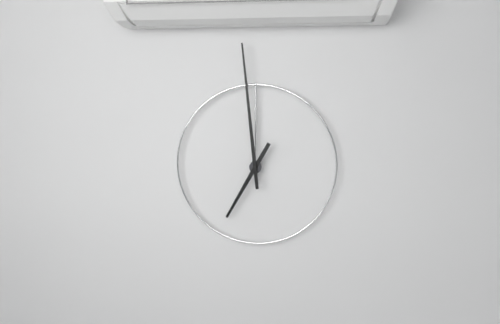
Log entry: 6h59
